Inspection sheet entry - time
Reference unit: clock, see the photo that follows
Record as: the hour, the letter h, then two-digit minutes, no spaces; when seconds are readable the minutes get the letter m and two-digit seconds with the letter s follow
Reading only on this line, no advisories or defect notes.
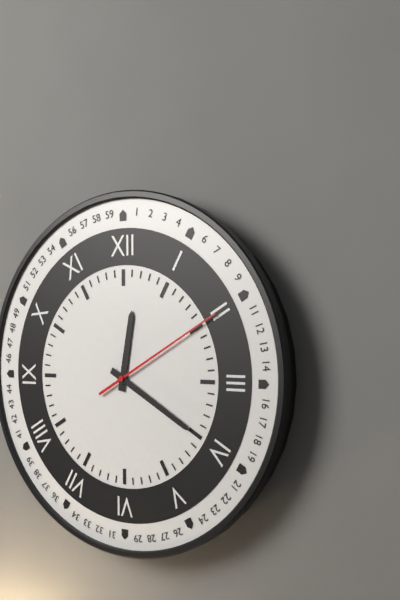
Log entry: 12h20m10s
